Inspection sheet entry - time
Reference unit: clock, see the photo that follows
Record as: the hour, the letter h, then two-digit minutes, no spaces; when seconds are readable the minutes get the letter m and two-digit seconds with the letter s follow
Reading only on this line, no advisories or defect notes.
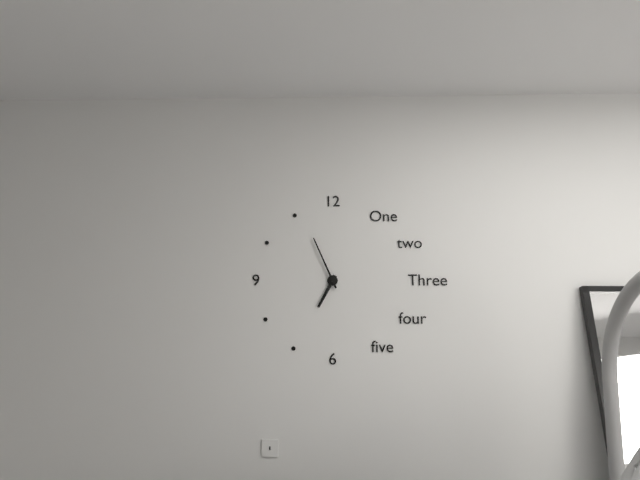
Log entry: 6h56
